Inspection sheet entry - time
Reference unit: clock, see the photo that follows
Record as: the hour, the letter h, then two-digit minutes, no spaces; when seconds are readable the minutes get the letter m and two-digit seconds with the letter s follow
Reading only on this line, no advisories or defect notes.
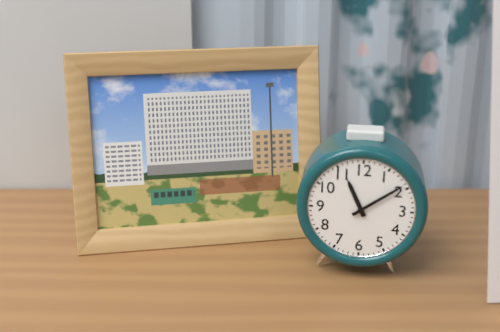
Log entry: 11h09
